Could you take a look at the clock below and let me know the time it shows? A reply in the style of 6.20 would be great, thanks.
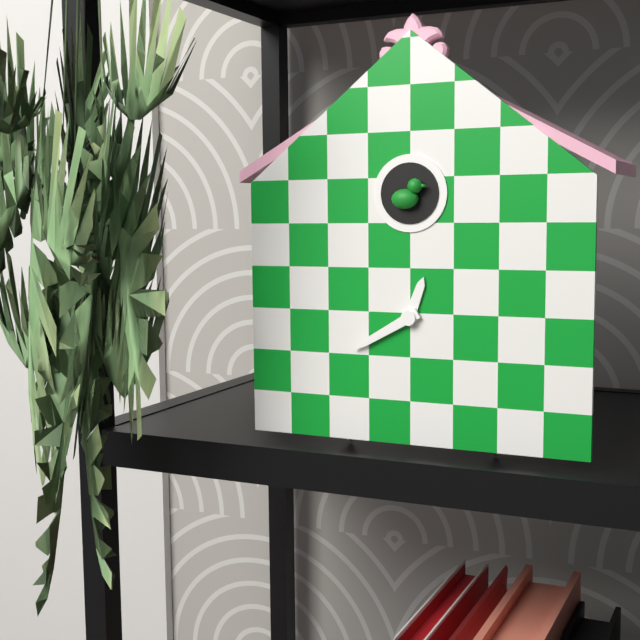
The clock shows 12.40
